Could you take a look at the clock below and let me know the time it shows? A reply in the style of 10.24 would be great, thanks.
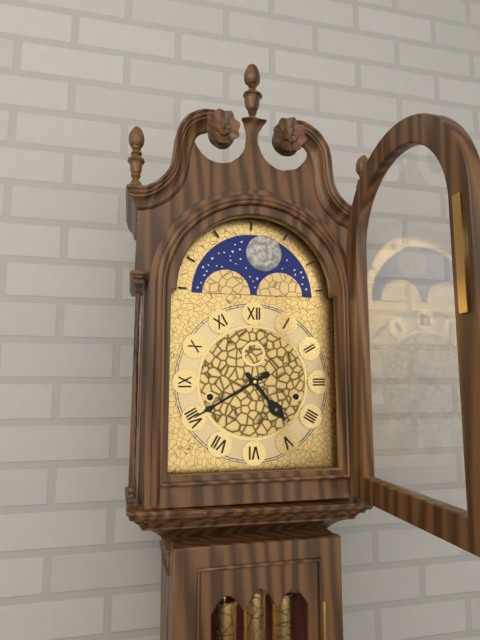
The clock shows 4.40
